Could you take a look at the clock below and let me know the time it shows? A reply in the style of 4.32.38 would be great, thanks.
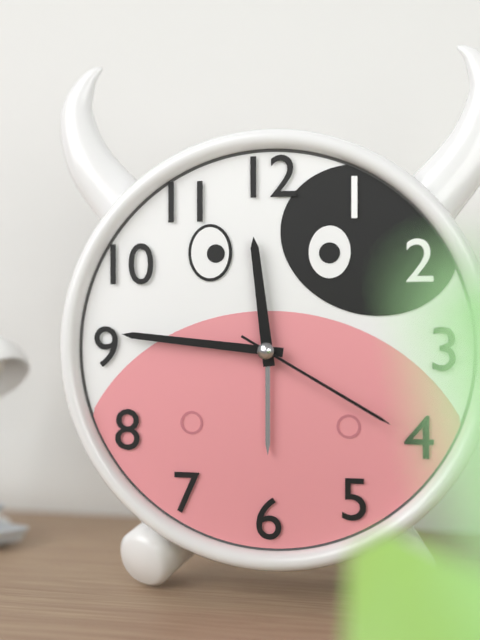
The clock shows 11.46.20
